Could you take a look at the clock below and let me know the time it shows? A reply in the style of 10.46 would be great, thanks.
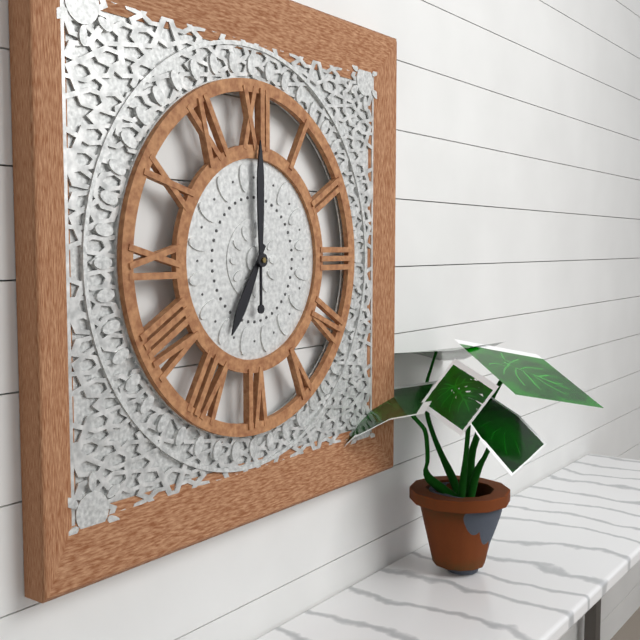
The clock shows 7.00
